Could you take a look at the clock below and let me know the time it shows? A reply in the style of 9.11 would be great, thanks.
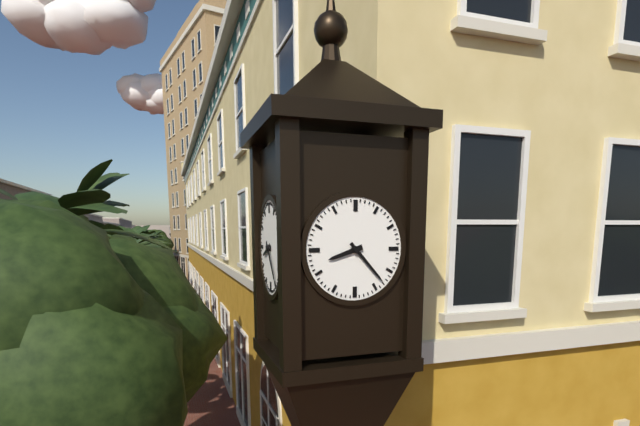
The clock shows 8.23
